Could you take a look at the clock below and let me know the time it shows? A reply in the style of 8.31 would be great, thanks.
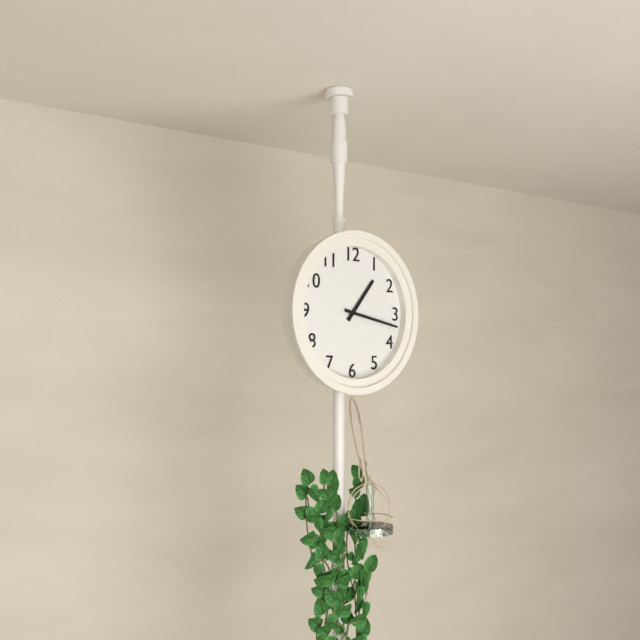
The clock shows 1.17
